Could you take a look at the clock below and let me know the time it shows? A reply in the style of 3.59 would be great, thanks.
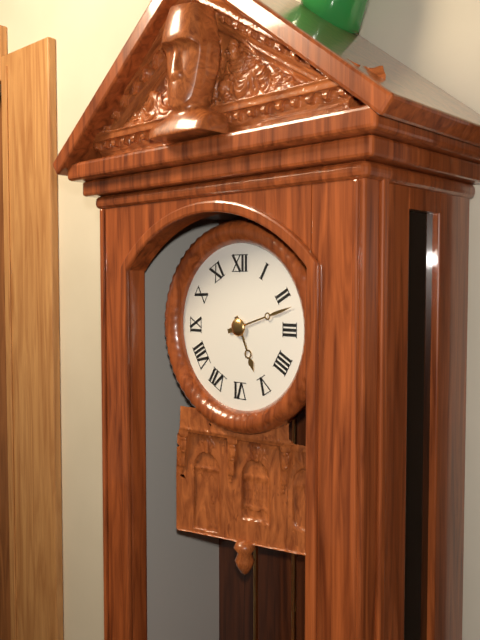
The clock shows 5.12
